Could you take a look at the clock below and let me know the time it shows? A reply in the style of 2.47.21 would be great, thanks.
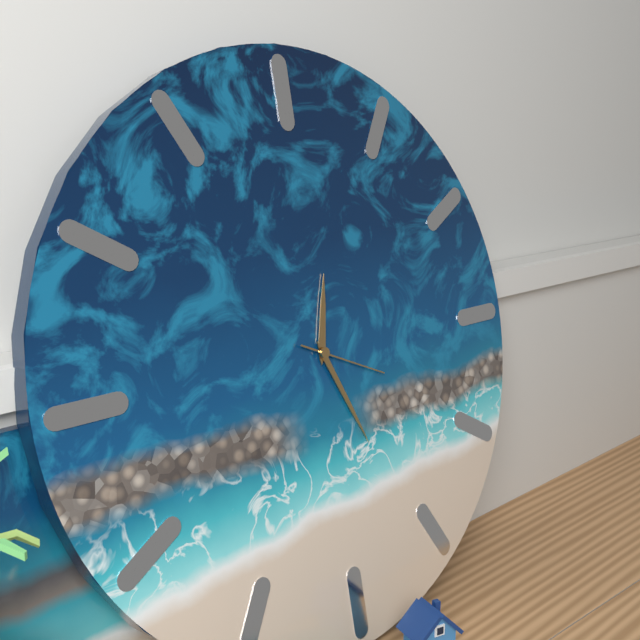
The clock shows 12.26.19
